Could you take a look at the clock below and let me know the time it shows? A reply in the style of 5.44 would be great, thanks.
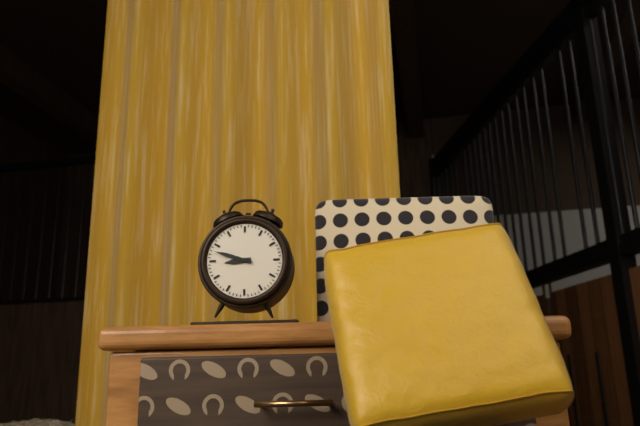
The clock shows 8.48
